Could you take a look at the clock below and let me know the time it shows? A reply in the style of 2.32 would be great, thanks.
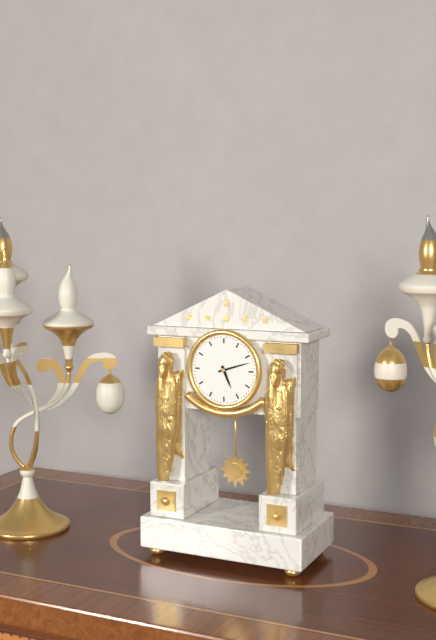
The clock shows 5.12
